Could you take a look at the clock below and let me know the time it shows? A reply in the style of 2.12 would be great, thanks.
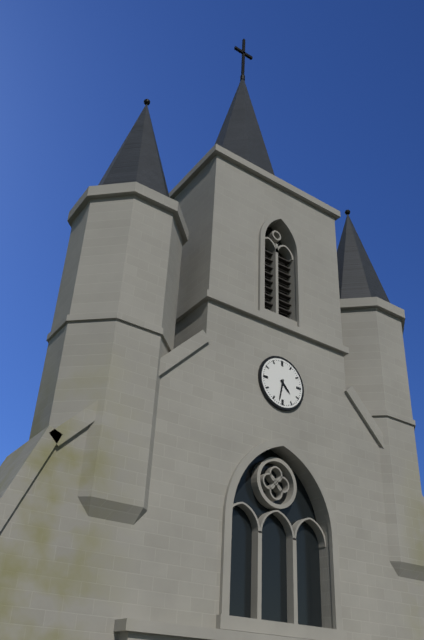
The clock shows 4.32
